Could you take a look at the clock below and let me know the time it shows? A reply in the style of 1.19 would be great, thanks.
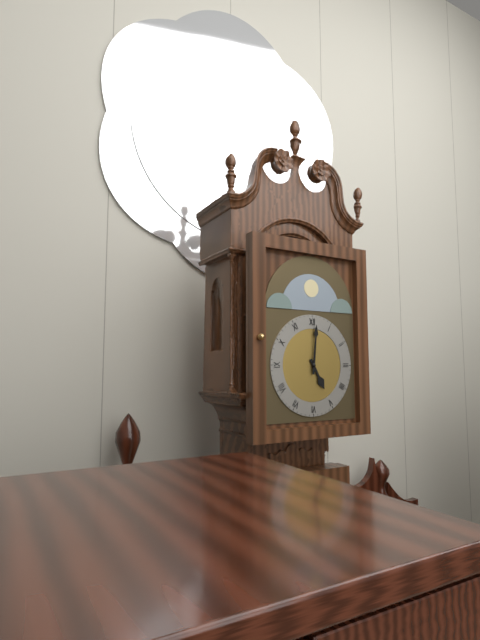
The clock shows 5.01
